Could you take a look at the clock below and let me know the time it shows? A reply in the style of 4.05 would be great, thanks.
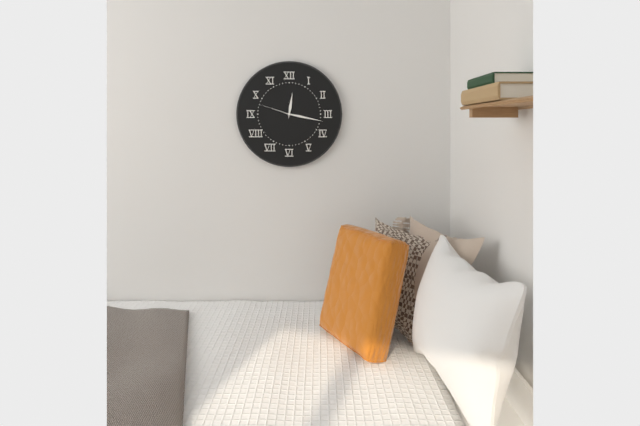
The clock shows 12.17
